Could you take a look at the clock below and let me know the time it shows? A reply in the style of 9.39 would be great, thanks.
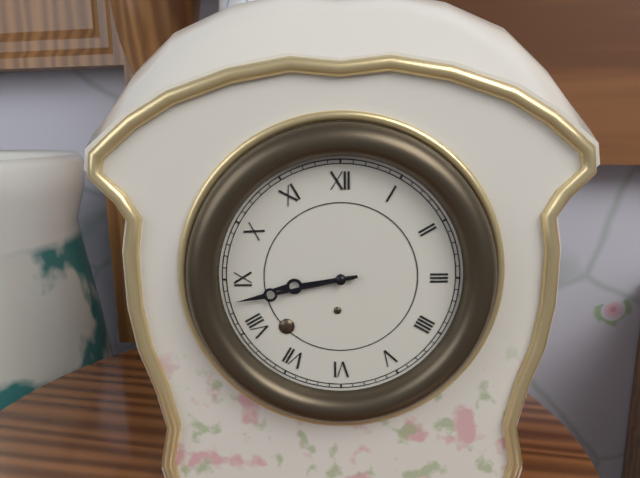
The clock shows 8.43
